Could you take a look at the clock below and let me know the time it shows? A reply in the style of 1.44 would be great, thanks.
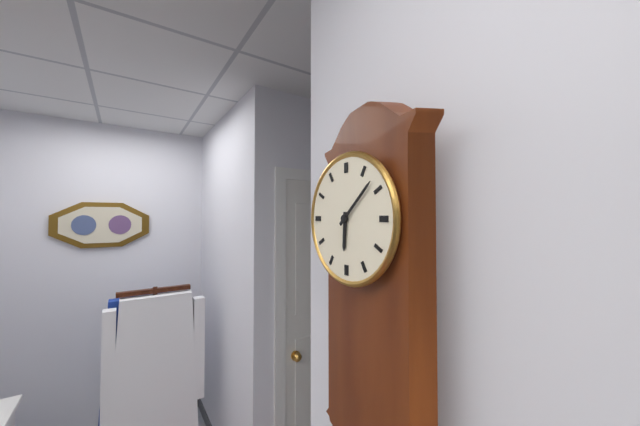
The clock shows 6.08
